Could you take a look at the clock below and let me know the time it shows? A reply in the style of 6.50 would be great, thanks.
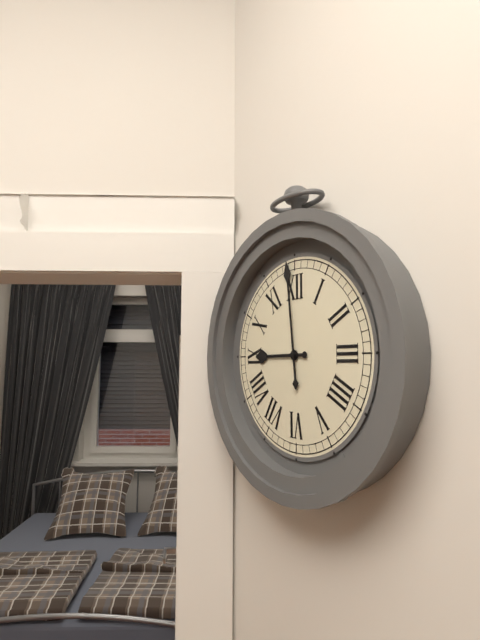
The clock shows 8.59
